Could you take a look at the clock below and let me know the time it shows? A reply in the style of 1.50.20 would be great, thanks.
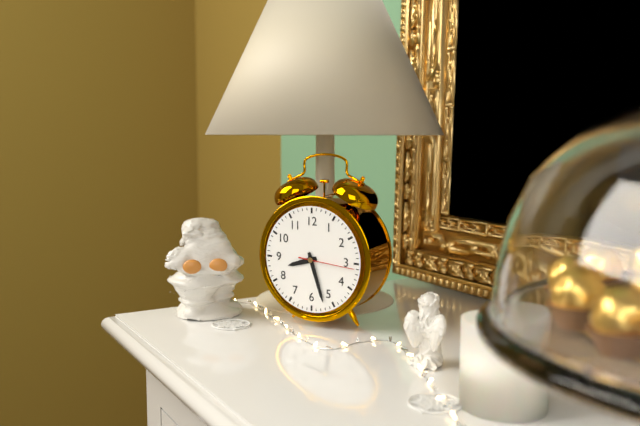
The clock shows 8.27.16
